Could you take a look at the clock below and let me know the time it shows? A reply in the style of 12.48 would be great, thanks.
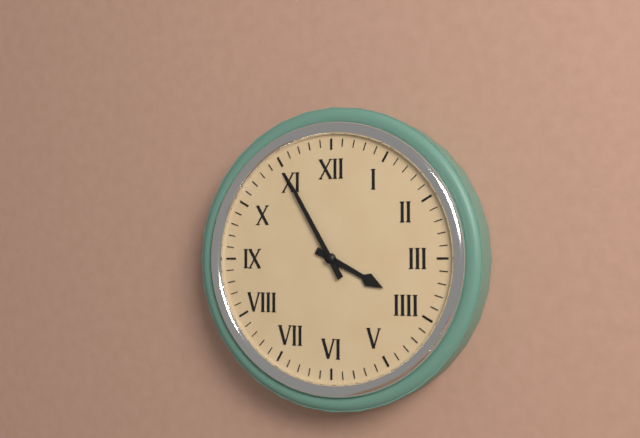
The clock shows 3.55
